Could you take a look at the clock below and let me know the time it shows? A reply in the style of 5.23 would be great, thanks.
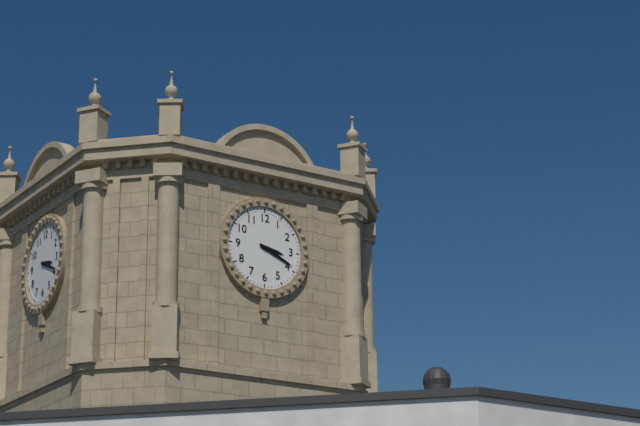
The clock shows 3.19
